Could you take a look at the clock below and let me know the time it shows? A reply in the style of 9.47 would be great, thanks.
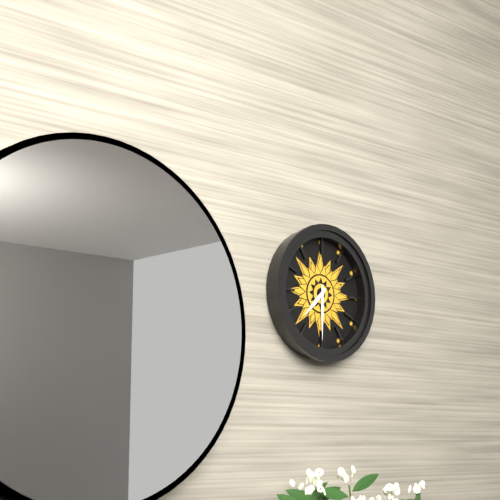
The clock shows 7.30
